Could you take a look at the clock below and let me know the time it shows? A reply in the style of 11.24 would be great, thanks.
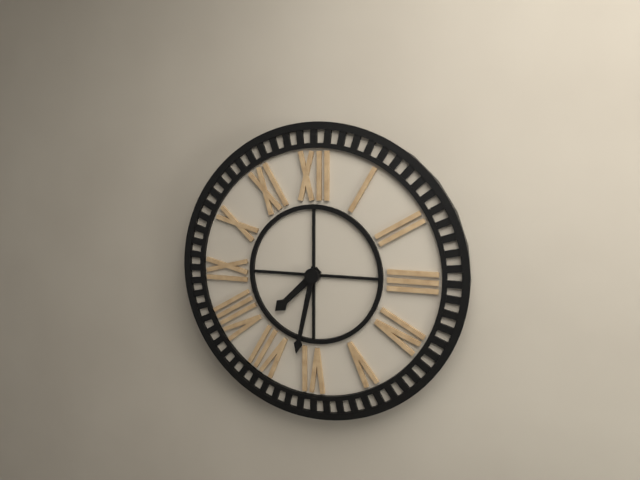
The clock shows 7.32
